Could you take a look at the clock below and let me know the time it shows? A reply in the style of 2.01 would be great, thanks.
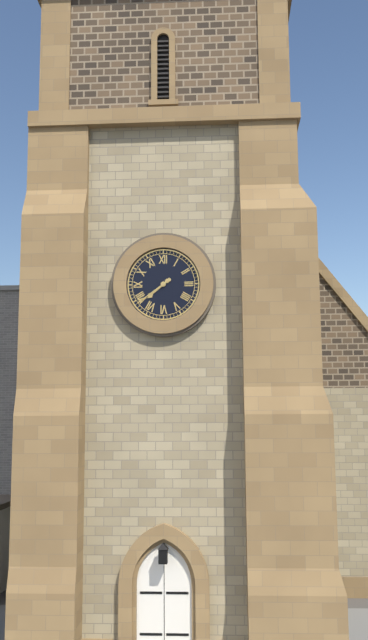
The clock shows 7.39
